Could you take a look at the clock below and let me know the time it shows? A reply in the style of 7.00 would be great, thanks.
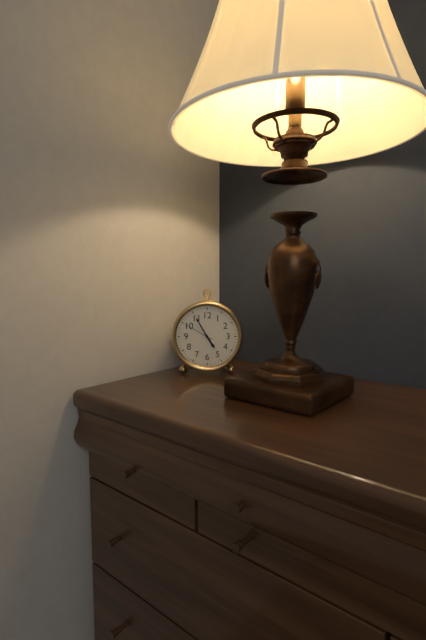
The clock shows 4.55
